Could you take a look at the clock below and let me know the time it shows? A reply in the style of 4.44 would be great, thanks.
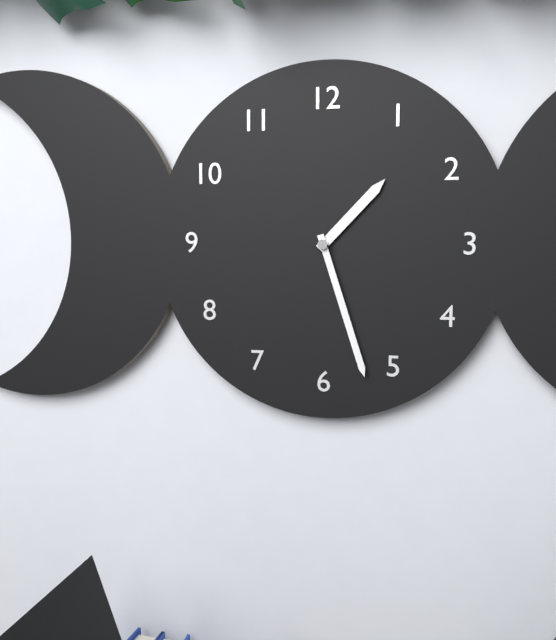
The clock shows 1.27
